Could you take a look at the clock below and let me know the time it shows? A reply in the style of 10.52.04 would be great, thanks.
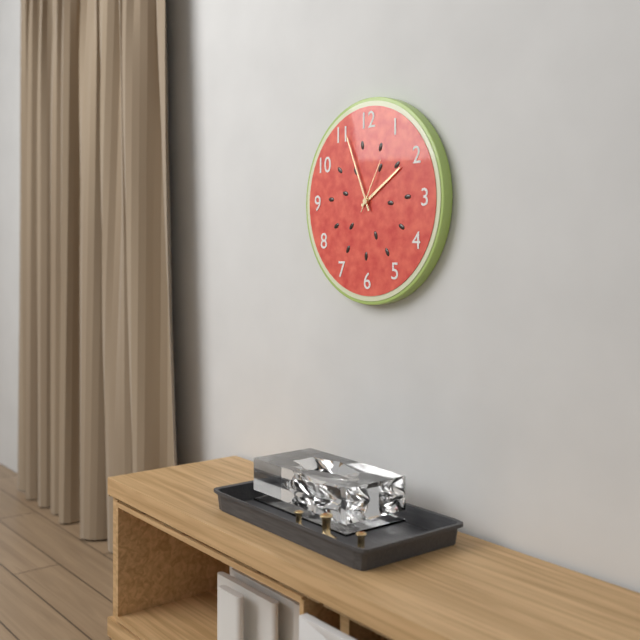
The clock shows 1.56.05
